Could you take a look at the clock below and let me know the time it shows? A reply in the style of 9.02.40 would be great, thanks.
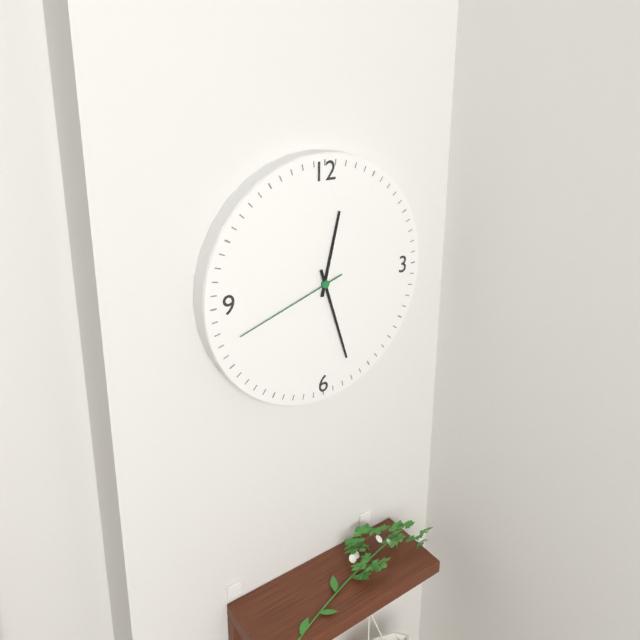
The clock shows 12.27.42
